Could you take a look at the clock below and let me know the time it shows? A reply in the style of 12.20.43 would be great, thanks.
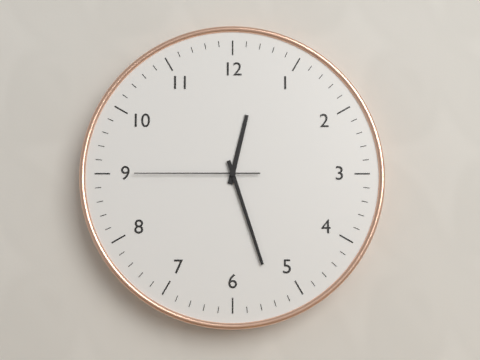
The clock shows 12.27.45
